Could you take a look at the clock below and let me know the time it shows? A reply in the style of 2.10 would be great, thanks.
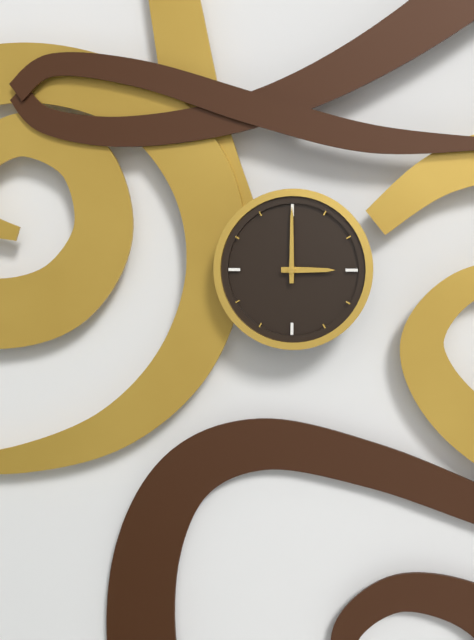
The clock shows 3.00
